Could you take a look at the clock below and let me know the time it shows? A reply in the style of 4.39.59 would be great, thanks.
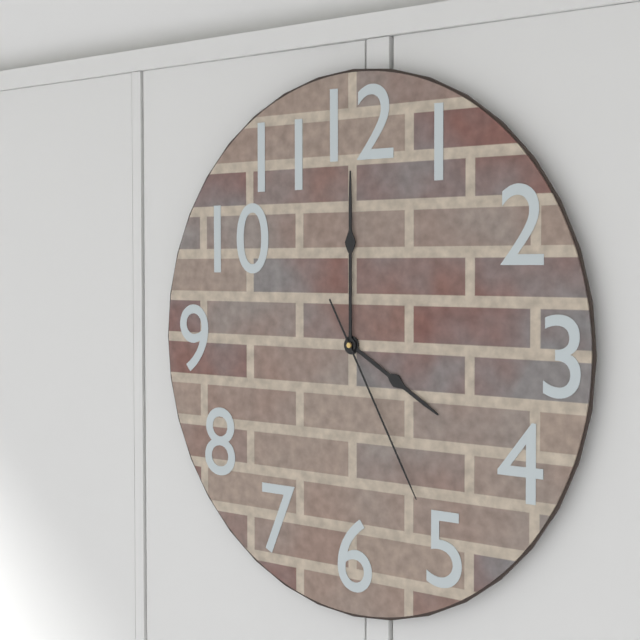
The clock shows 4.00.25
